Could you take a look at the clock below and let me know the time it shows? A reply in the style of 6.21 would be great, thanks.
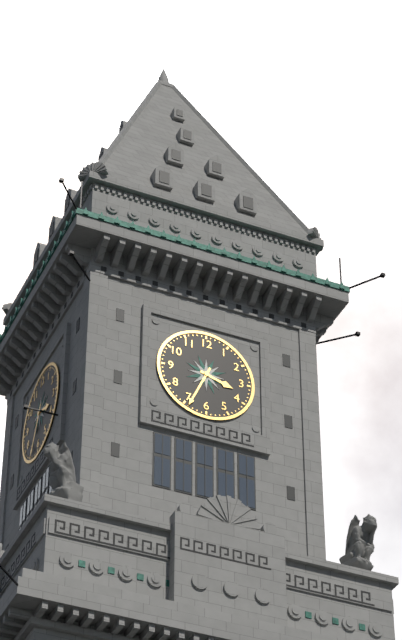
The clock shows 3.34
